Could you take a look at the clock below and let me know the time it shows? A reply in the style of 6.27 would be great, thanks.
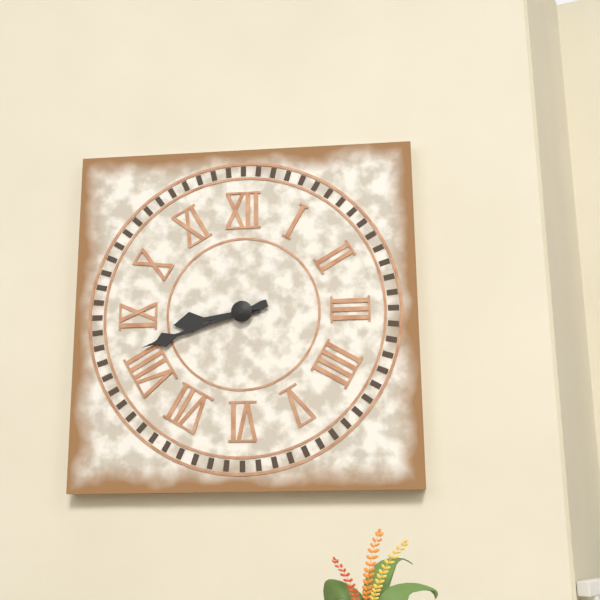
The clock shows 8.42
